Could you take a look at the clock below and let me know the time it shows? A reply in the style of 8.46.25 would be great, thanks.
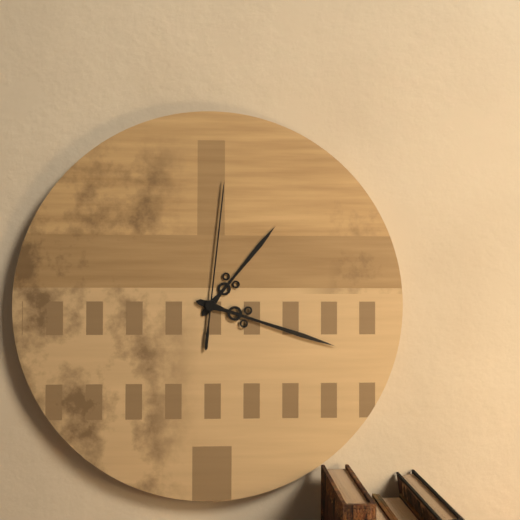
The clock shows 1.18.01
